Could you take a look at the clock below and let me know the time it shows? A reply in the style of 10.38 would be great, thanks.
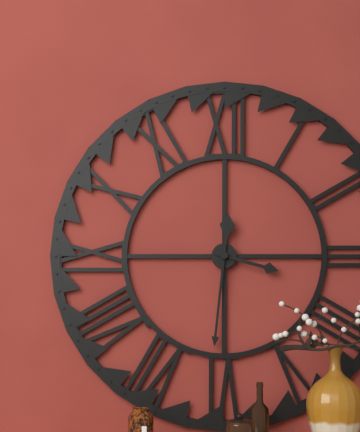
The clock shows 3.31
